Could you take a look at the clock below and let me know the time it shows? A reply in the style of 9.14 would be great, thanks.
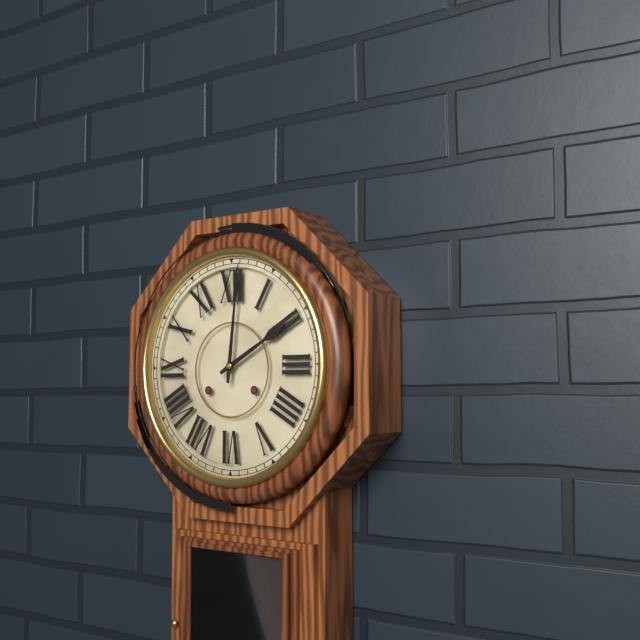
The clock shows 2.01
